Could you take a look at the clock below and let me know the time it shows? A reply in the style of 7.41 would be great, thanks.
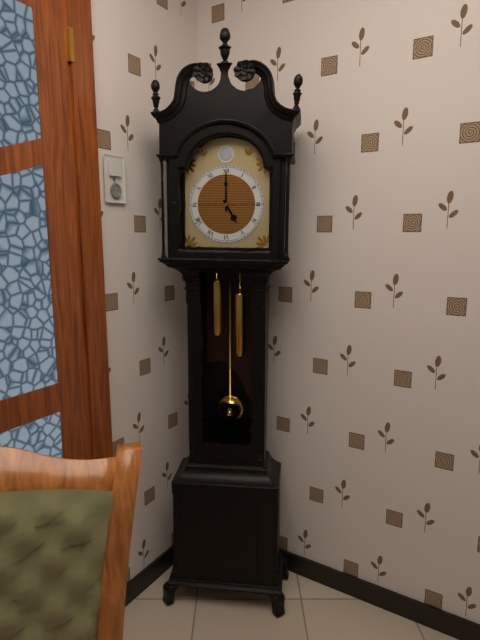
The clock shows 5.00
